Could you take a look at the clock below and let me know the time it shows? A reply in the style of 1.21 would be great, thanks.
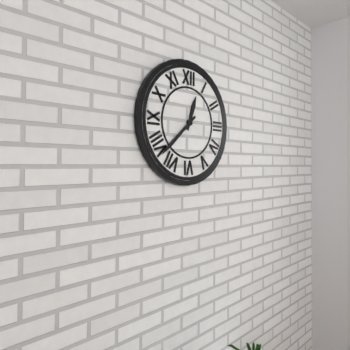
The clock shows 12.38
